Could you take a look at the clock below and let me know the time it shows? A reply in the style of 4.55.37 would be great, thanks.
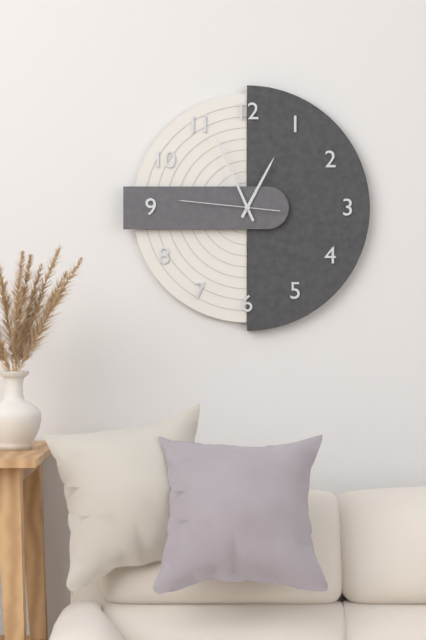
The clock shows 12.56.46
